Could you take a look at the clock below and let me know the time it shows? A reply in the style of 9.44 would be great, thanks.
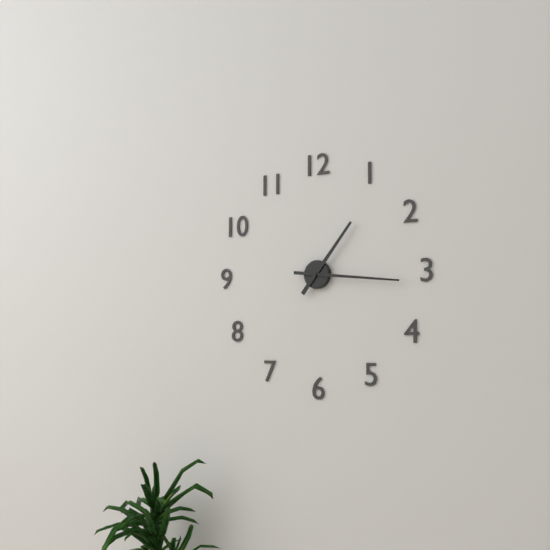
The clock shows 1.16
